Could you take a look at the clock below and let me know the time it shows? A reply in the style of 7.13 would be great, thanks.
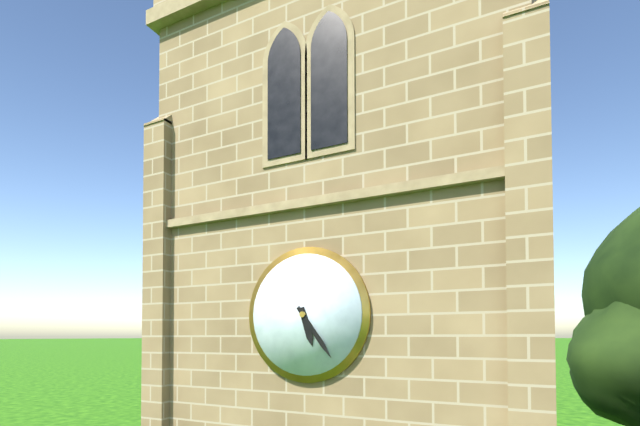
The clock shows 5.24
